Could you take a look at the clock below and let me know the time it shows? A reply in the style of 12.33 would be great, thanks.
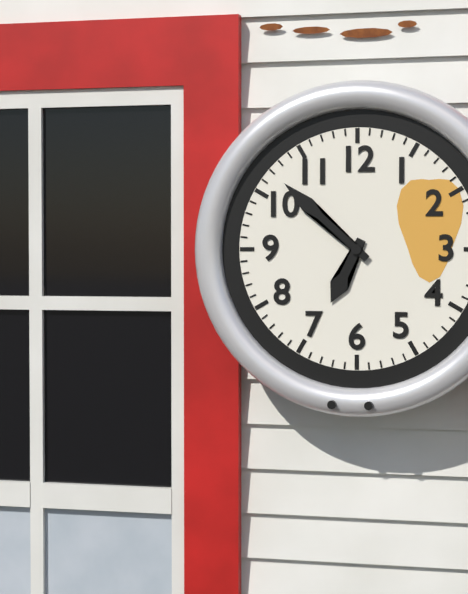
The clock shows 6.52
